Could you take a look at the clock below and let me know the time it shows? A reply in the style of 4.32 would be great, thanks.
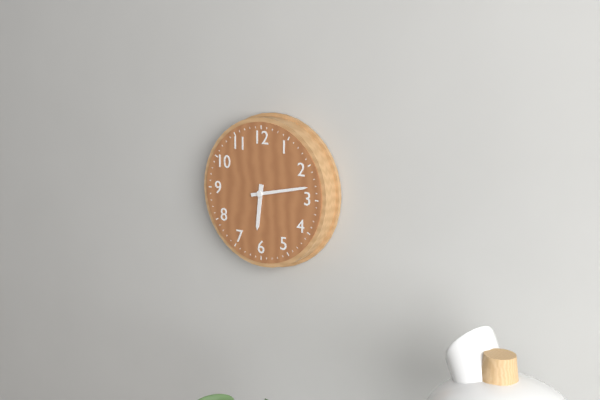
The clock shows 6.13
